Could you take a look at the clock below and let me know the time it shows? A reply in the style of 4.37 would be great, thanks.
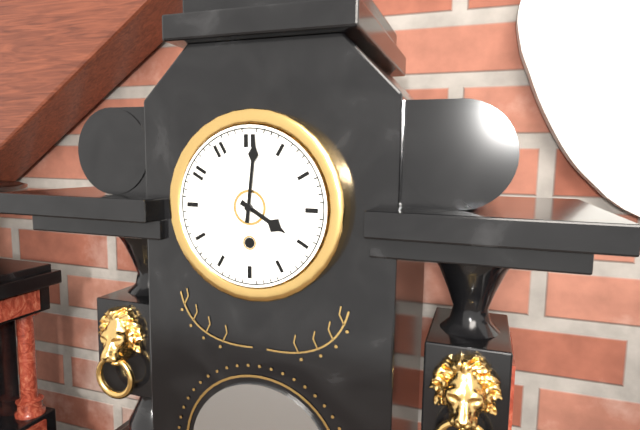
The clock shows 4.01
